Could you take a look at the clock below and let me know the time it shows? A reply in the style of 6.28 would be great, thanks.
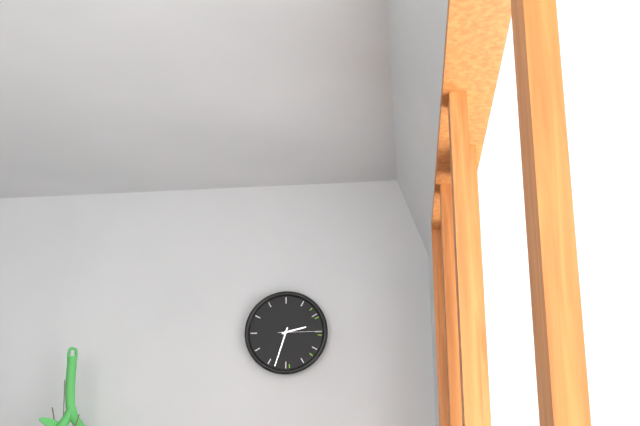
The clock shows 2.33
